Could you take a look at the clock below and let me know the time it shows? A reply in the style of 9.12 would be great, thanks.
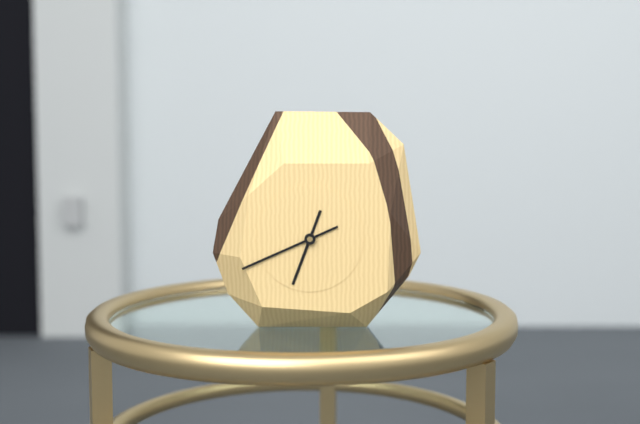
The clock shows 6.41
